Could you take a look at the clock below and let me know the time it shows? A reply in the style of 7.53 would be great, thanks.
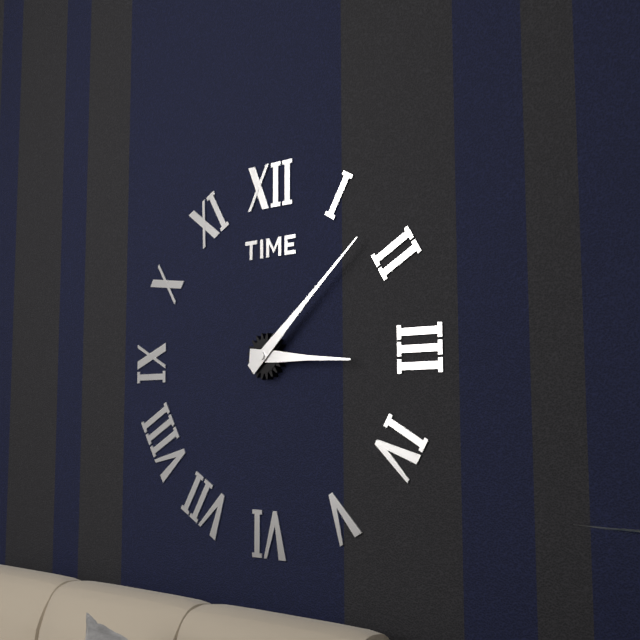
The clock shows 3.08
